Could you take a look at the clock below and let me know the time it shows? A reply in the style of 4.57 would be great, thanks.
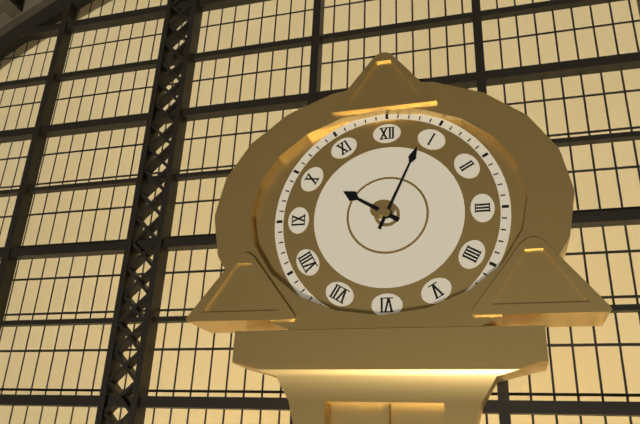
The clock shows 10.04
